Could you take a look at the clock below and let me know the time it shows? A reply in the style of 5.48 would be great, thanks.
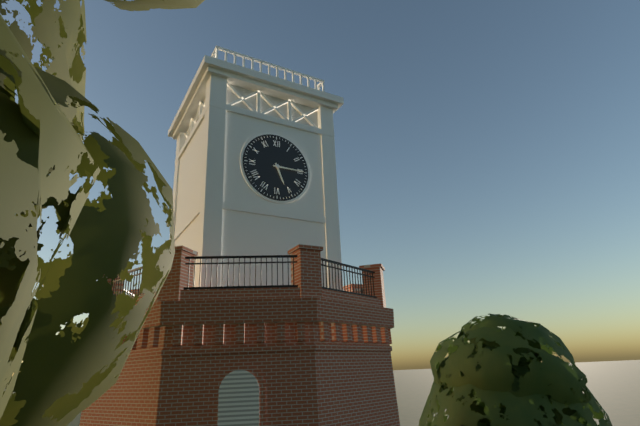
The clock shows 5.15
